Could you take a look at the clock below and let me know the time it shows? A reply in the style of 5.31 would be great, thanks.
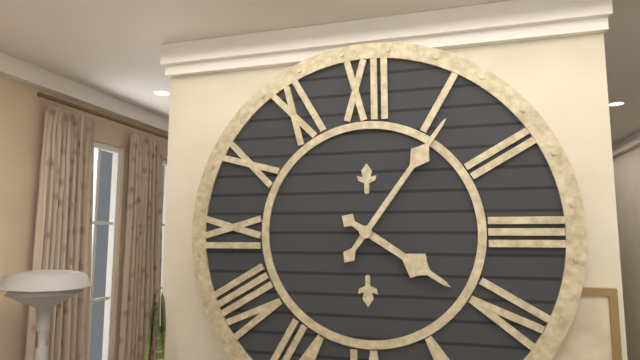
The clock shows 4.06
